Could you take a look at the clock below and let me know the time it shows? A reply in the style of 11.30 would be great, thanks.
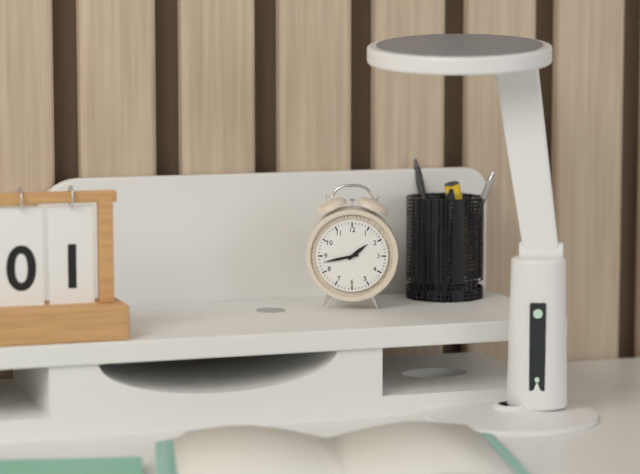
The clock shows 1.43
